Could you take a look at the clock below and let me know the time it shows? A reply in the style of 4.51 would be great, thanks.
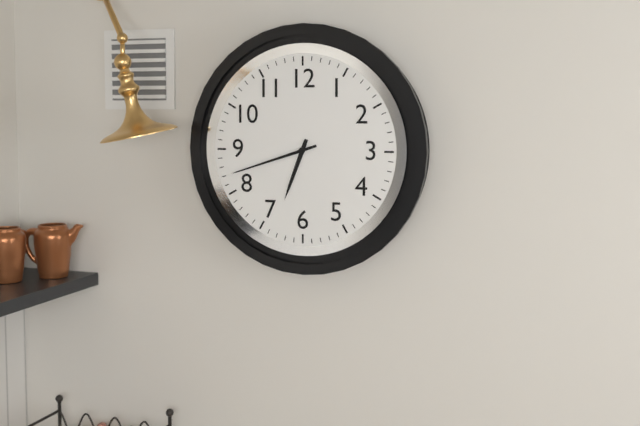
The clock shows 6.42
